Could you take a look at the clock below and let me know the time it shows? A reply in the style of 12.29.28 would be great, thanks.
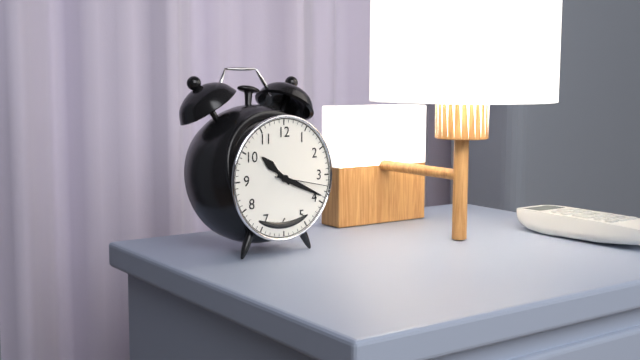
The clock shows 10.19.17
